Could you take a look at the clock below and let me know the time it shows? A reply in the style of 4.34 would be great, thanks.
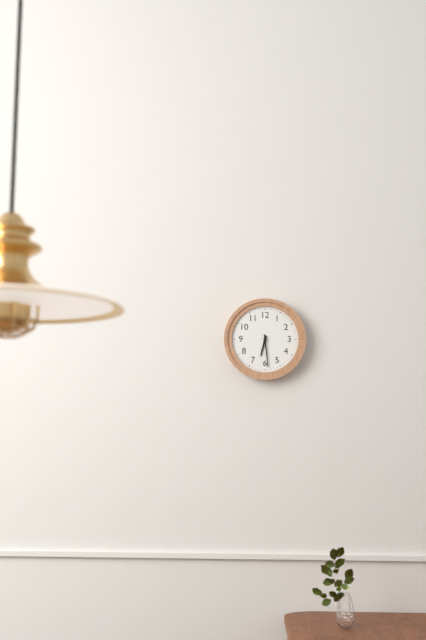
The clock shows 6.29
